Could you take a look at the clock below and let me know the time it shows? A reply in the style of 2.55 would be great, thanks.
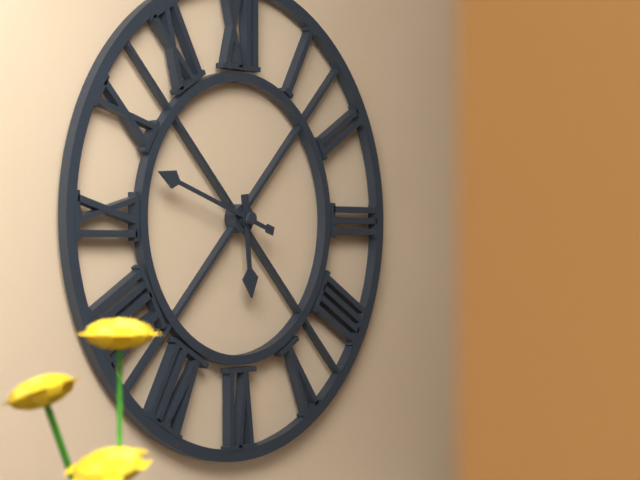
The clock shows 5.48
